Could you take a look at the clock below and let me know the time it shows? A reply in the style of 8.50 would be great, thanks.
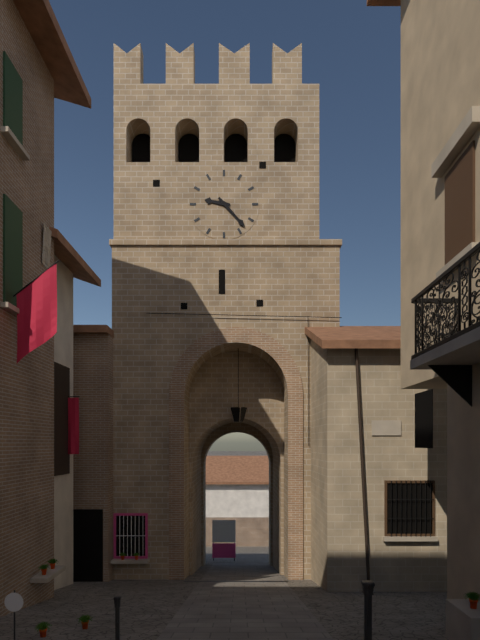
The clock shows 9.23
